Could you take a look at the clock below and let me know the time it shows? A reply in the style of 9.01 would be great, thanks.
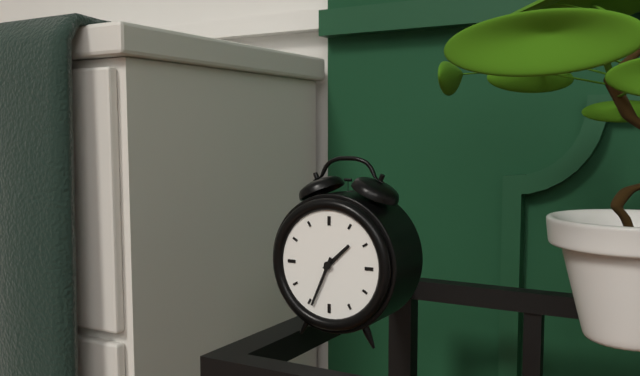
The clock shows 1.34
